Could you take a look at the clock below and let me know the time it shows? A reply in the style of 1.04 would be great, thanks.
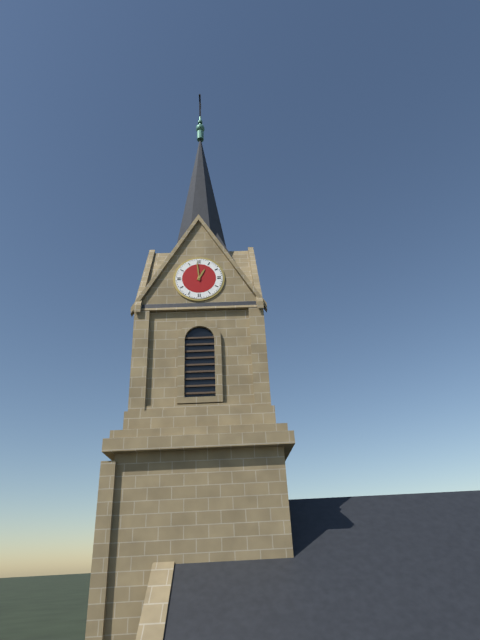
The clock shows 12.59
